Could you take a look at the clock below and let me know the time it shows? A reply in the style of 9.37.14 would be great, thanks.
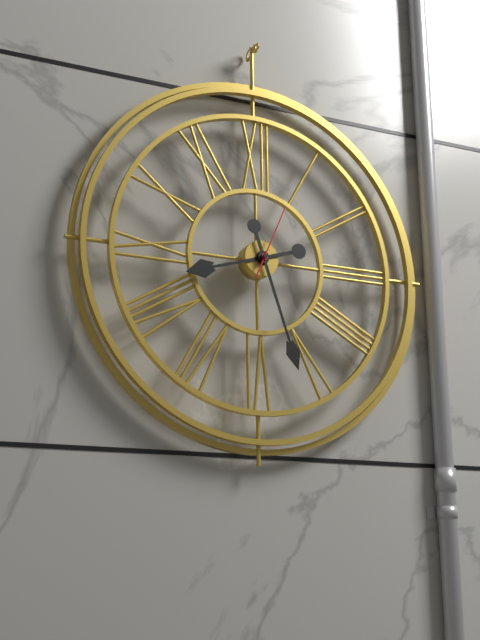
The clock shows 8.27.04
